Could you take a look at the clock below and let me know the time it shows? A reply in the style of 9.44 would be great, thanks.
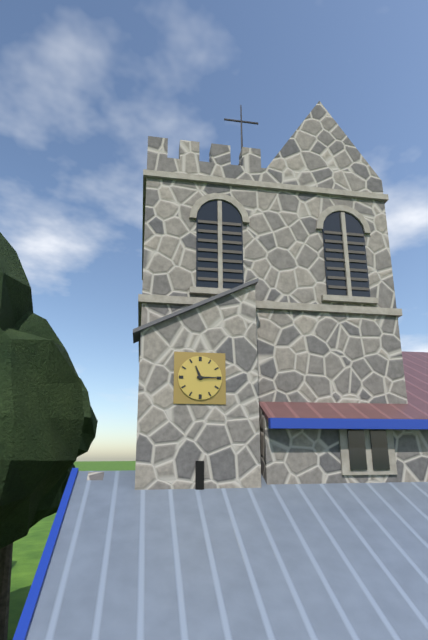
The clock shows 11.15
